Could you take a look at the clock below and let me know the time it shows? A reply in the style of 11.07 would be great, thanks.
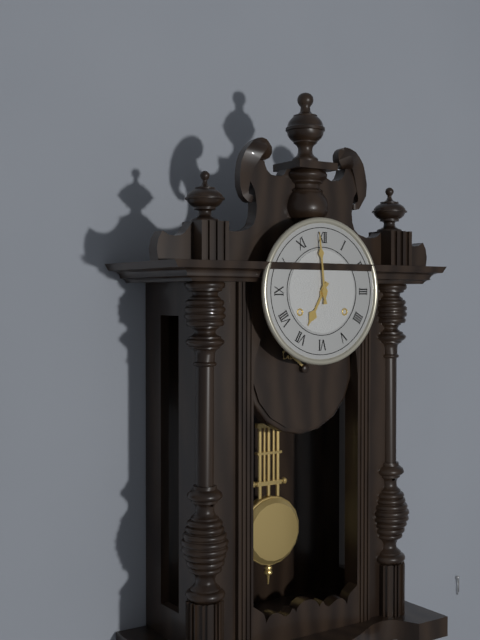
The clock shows 6.59
